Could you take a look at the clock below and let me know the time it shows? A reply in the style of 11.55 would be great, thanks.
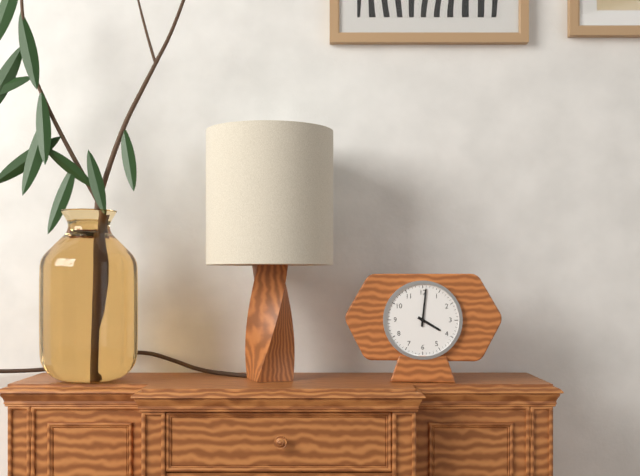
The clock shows 4.01
